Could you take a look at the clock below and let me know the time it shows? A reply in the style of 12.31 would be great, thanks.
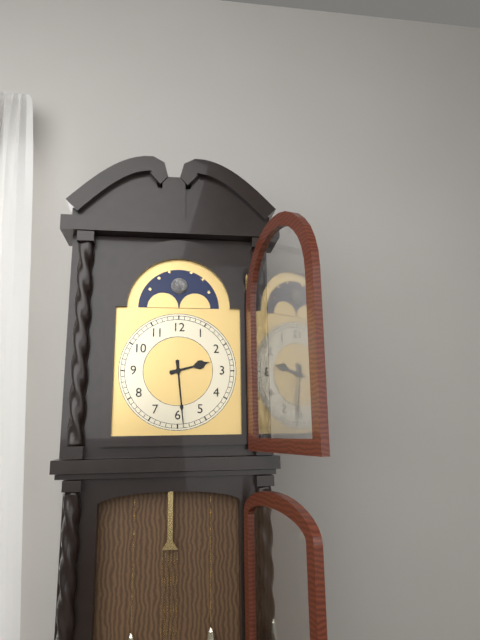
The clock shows 2.29
